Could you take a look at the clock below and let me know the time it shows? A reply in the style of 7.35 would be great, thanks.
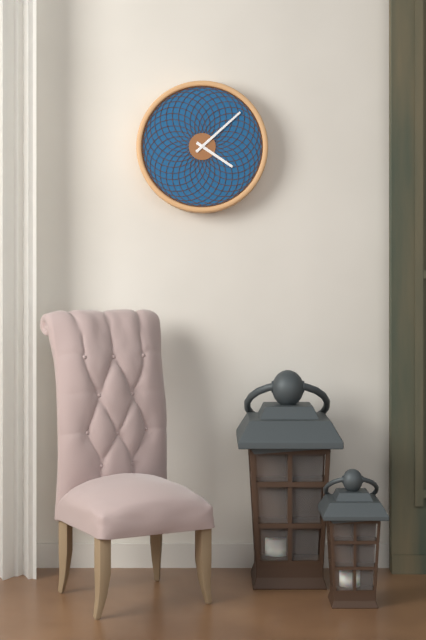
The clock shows 4.08
